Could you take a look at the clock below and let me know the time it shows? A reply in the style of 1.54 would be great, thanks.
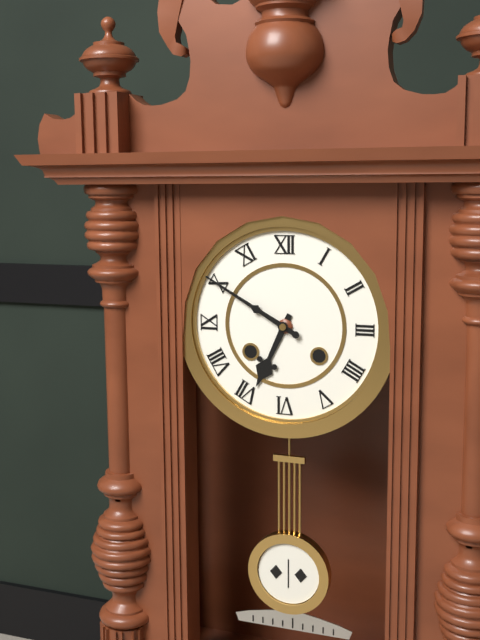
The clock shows 6.50
